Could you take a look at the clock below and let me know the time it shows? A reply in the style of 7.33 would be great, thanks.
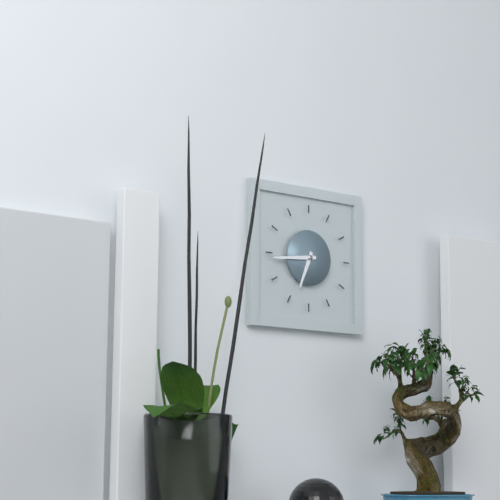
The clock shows 6.44
